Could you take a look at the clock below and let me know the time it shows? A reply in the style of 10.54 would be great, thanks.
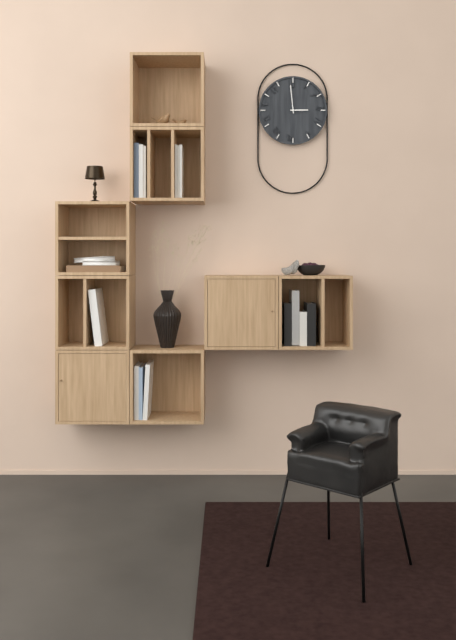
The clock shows 2.59
